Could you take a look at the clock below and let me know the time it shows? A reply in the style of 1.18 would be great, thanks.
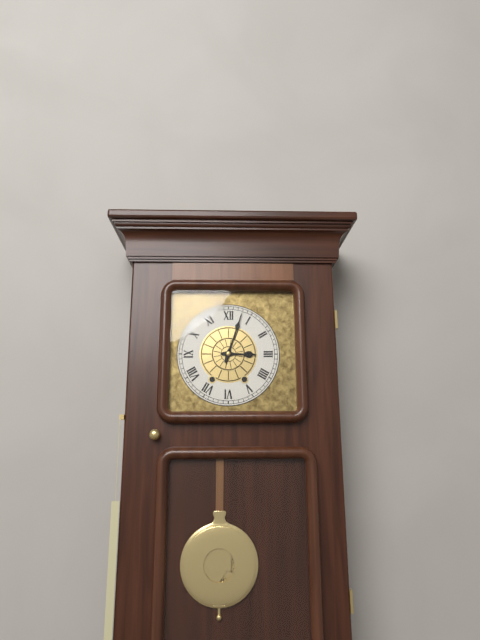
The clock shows 3.03
